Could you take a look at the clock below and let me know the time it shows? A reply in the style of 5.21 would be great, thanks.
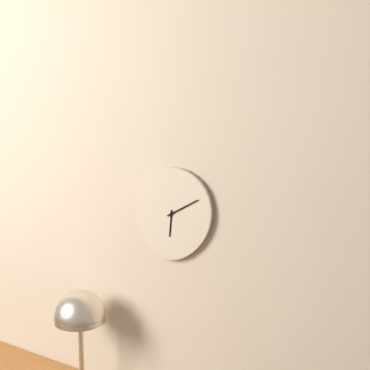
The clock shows 6.10
